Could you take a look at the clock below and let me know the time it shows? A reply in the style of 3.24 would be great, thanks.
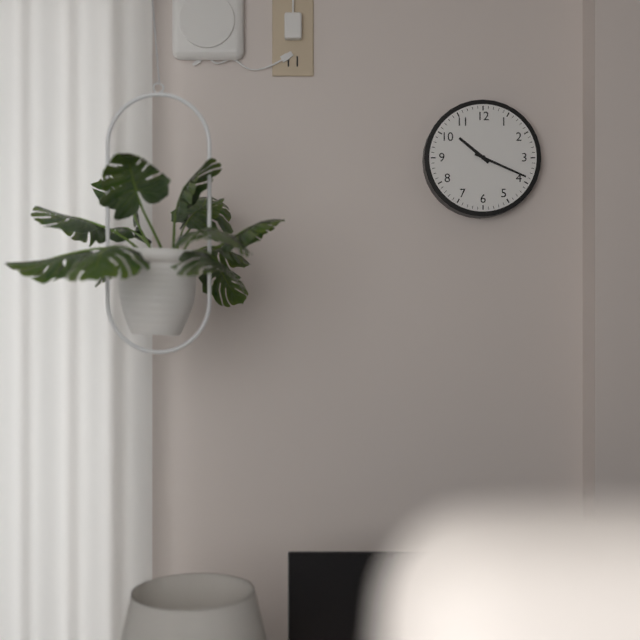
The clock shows 10.19
